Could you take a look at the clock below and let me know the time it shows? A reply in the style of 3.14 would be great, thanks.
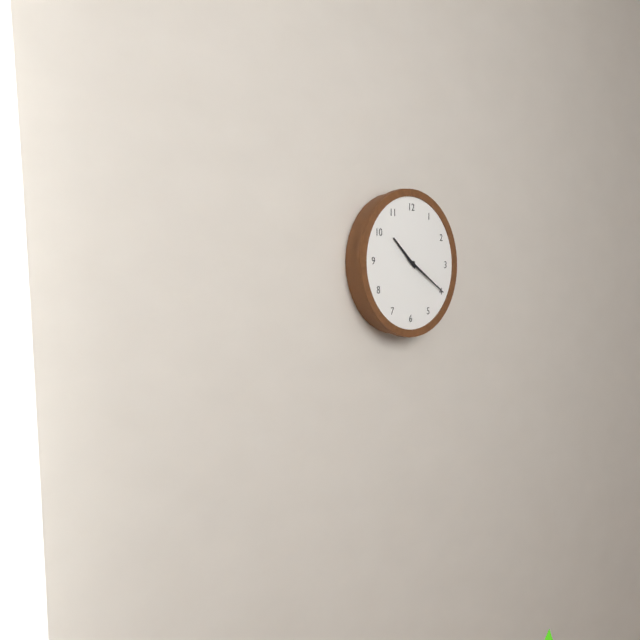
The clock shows 10.20
